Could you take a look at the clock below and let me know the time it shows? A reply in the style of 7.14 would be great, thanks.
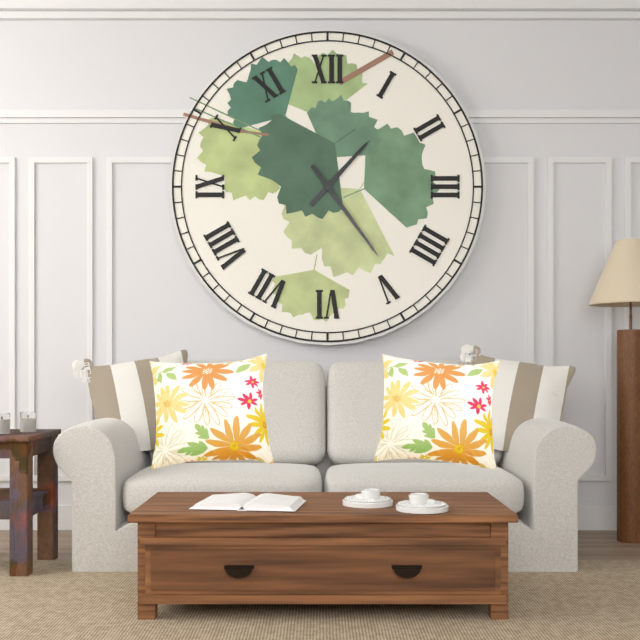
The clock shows 1.24
